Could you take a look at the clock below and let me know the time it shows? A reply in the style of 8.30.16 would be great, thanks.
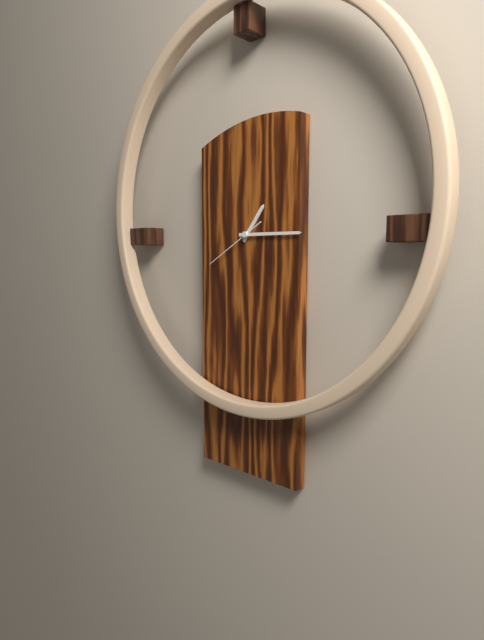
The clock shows 1.15.40
